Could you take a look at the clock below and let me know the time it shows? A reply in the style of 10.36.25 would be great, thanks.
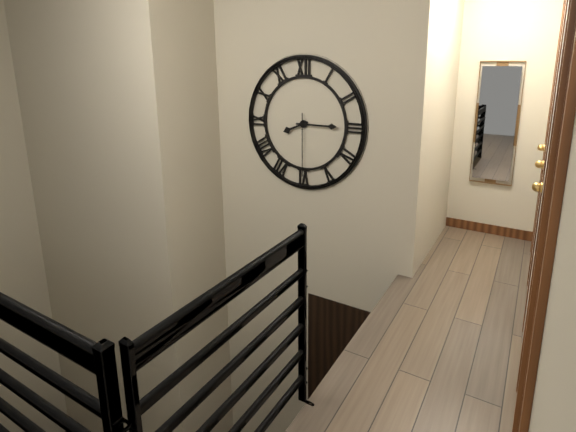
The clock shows 8.15.30
